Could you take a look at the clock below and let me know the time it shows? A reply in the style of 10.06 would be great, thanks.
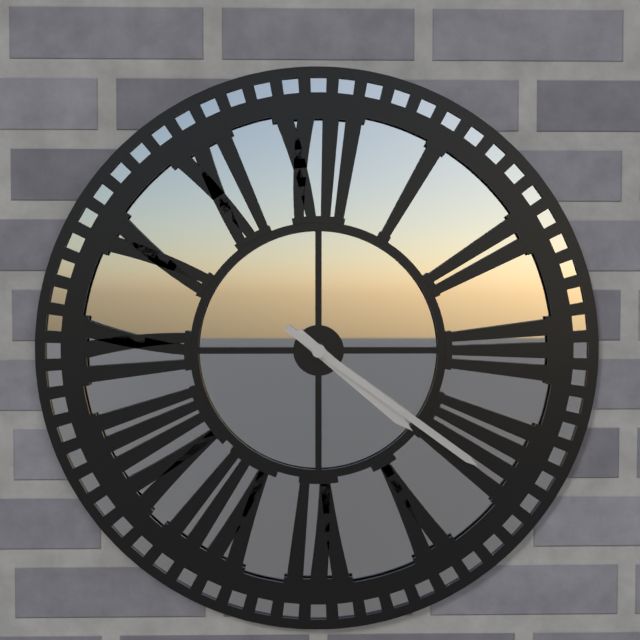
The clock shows 4.21
